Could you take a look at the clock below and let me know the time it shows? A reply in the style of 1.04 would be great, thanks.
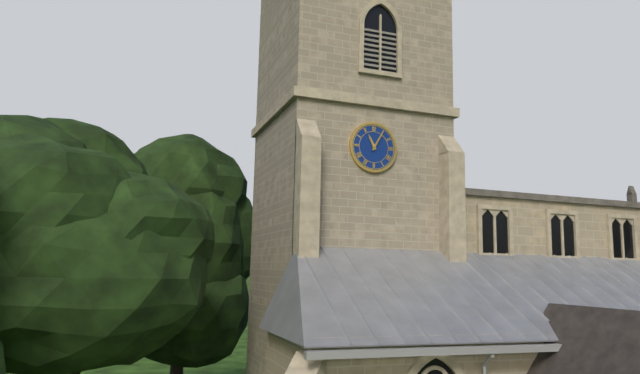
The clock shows 11.05
